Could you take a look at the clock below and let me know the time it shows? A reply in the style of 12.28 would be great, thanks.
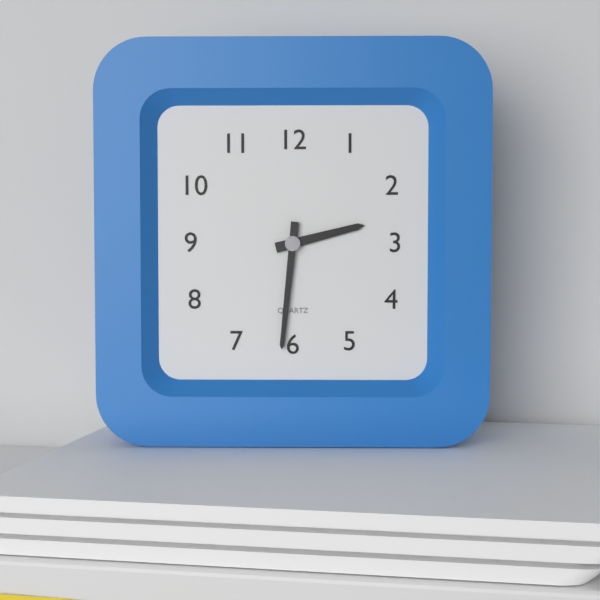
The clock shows 2.31
